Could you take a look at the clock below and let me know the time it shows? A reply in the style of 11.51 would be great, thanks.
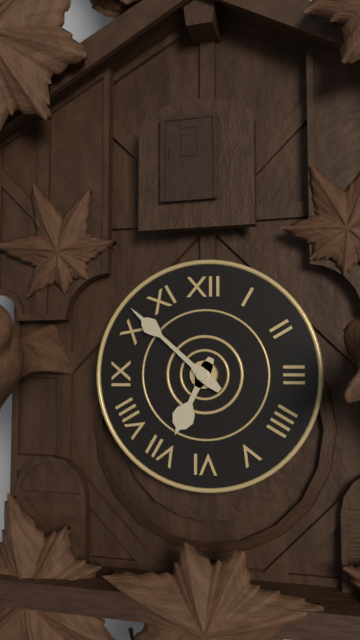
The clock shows 6.52
